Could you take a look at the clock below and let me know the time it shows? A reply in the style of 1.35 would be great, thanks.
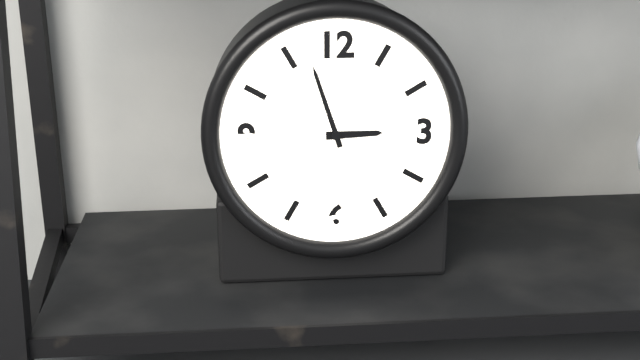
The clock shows 2.57
